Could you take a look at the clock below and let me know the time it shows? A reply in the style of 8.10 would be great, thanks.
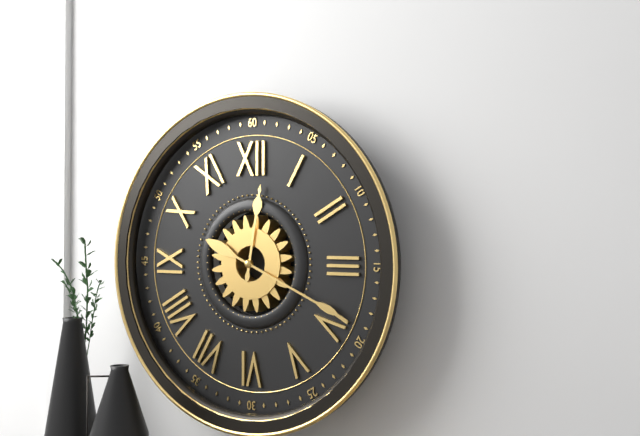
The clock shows 12.19
